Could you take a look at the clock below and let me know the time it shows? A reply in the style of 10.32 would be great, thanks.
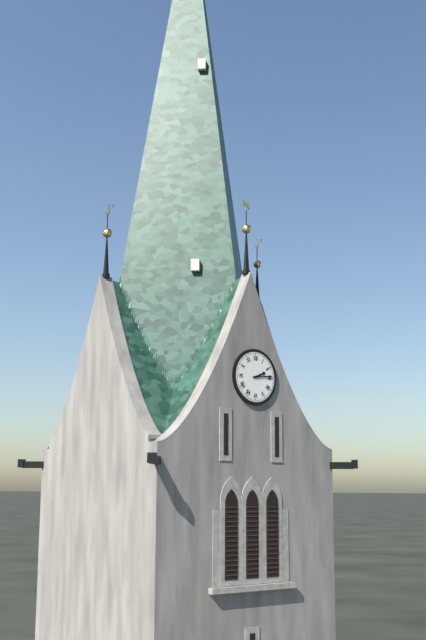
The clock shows 2.14
